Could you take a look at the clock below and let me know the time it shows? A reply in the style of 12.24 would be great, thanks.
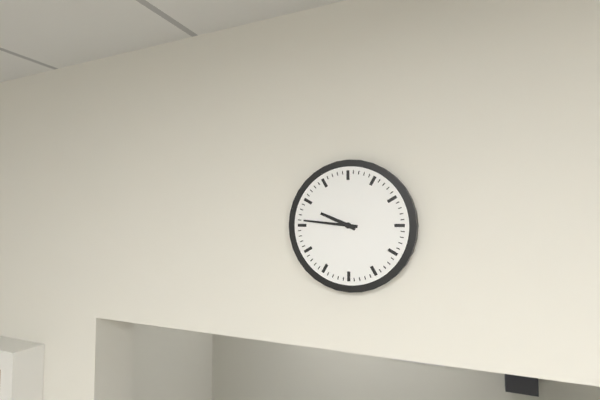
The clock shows 9.46
